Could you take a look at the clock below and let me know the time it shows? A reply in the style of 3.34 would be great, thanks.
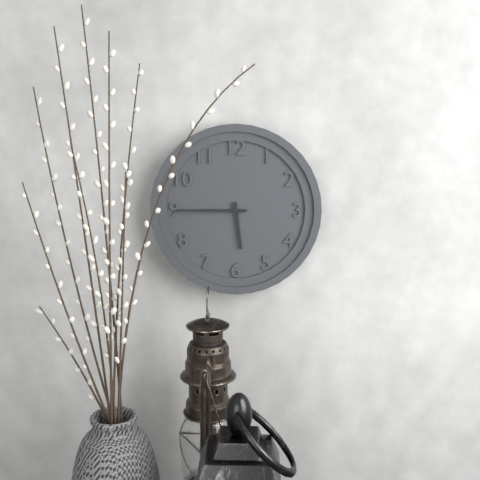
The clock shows 5.45
